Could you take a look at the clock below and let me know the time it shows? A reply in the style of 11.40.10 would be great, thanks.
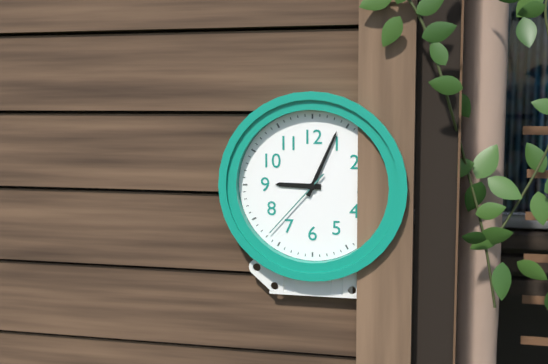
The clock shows 9.04.37
